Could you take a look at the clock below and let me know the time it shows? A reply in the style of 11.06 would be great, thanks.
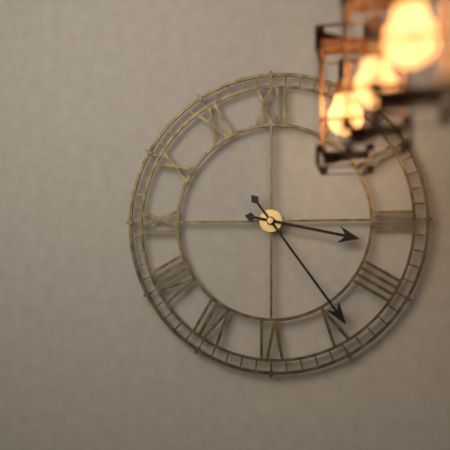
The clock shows 3.24
